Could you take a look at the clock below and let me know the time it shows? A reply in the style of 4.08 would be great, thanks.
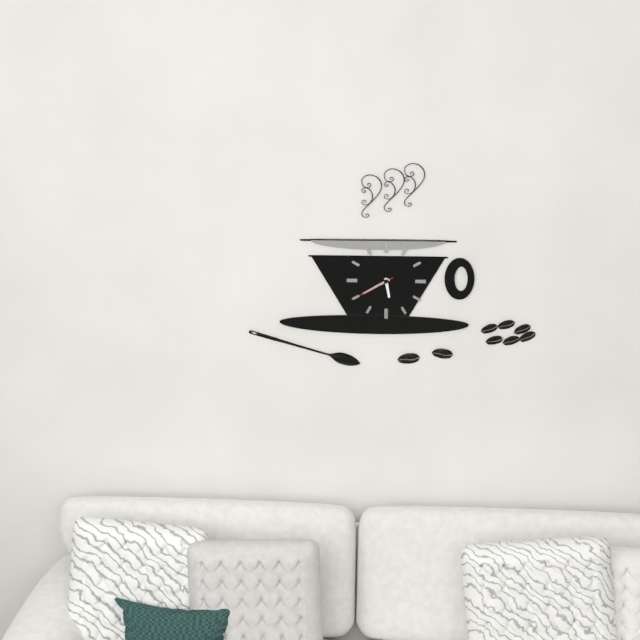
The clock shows 5.40
